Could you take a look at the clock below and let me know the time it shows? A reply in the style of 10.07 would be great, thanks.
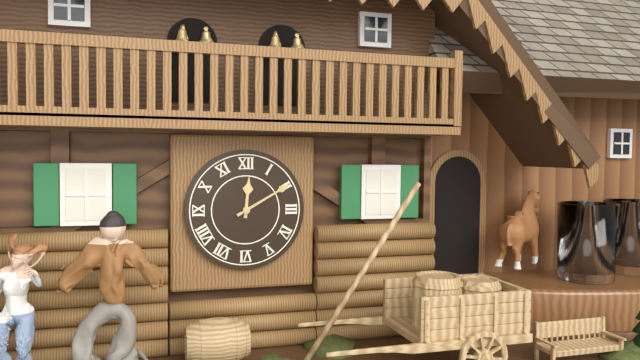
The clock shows 12.10
